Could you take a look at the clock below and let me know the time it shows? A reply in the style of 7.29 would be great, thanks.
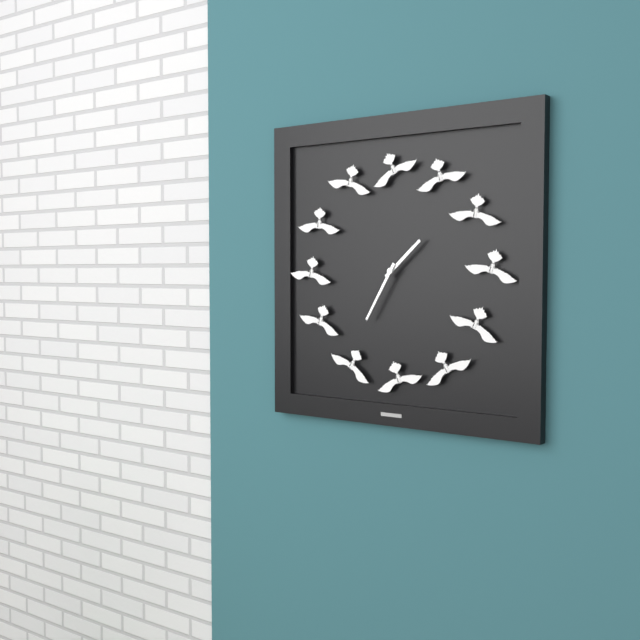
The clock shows 1.35
